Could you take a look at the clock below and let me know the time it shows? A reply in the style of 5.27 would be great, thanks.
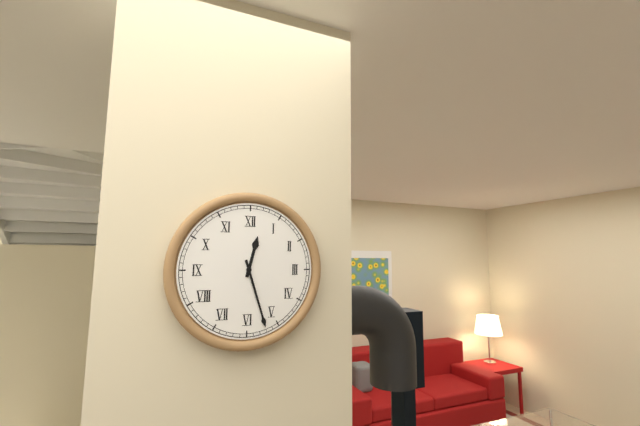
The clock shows 12.27
